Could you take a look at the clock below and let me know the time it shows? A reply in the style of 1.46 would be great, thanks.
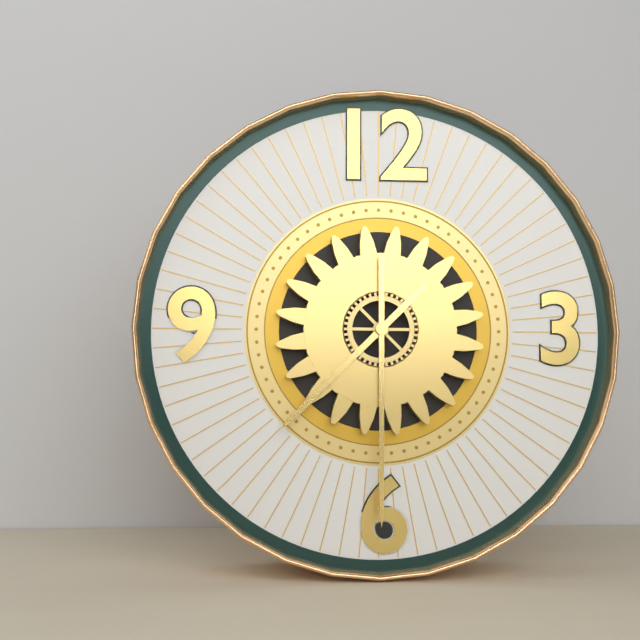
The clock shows 7.30
